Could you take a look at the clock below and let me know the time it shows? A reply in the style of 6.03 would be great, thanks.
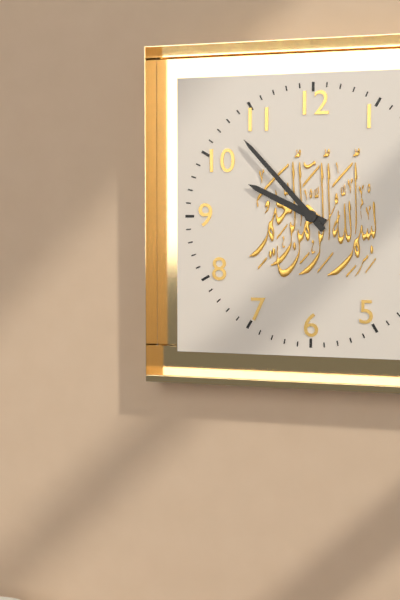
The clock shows 9.53
